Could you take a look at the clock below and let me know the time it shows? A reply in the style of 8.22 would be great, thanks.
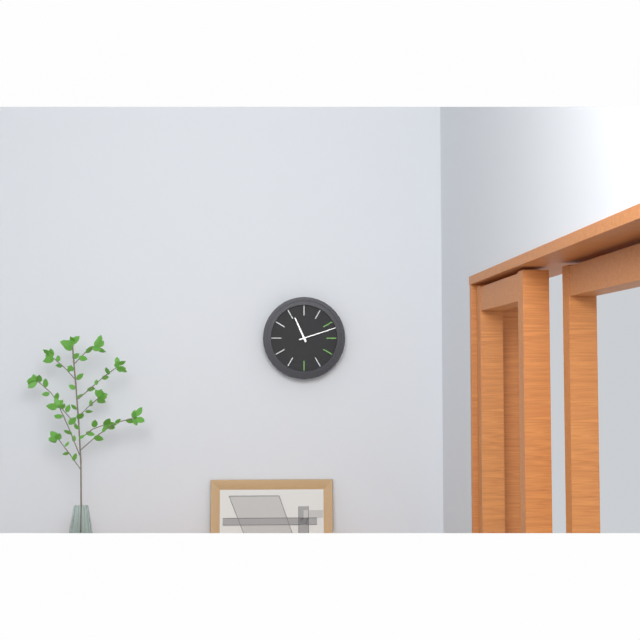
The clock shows 11.12
